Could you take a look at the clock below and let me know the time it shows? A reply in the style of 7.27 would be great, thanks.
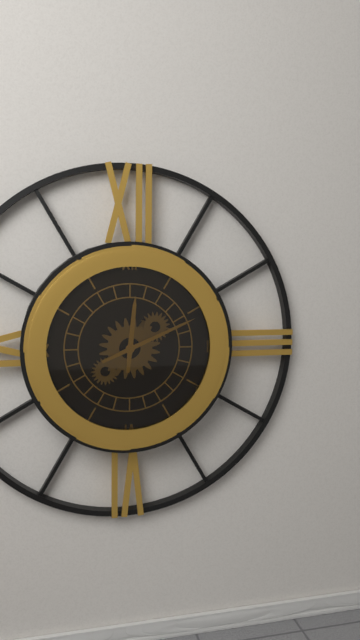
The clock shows 12.11
